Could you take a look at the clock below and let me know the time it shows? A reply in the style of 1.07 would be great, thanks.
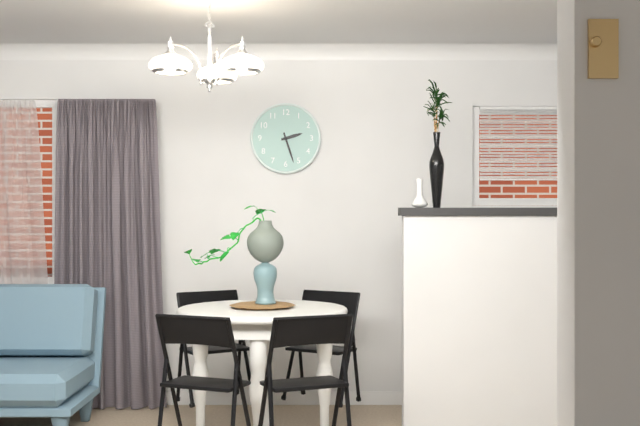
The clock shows 2.27
